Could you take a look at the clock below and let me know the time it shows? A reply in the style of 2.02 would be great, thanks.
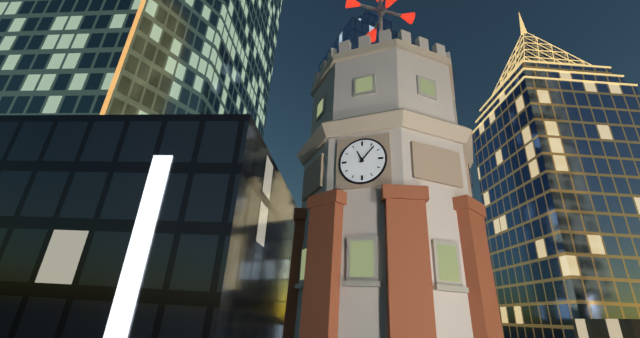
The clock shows 11.07
